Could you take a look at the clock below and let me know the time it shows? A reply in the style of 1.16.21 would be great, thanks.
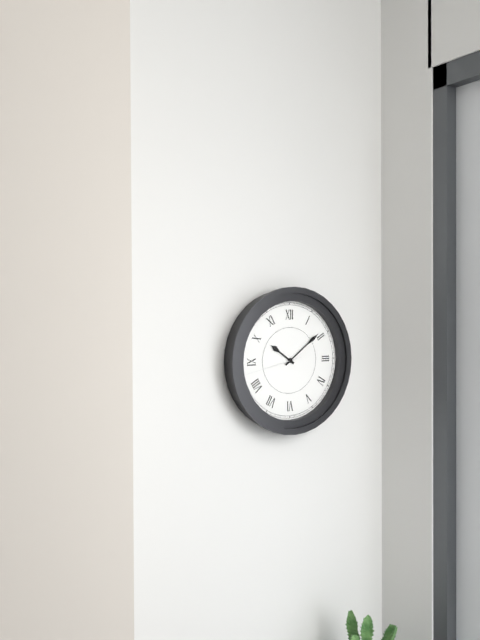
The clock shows 10.09.43
